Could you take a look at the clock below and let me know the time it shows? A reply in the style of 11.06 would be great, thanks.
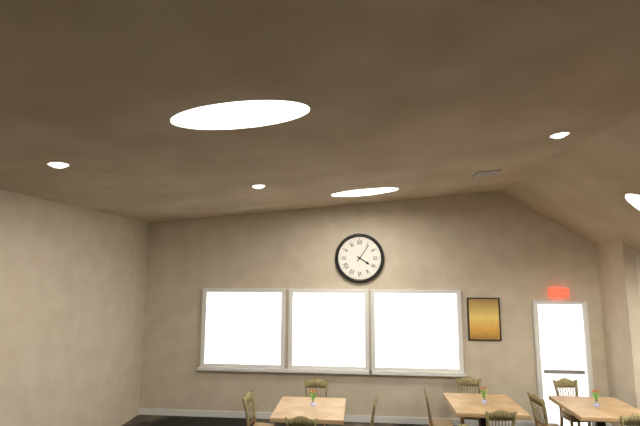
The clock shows 4.06
